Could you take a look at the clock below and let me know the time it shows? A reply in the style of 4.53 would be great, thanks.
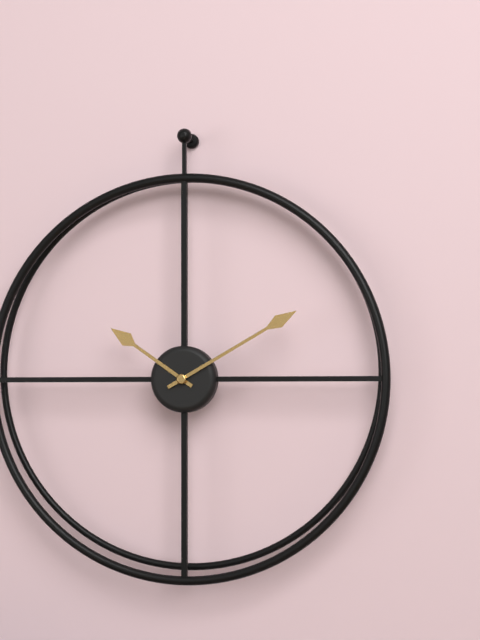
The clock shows 10.10
